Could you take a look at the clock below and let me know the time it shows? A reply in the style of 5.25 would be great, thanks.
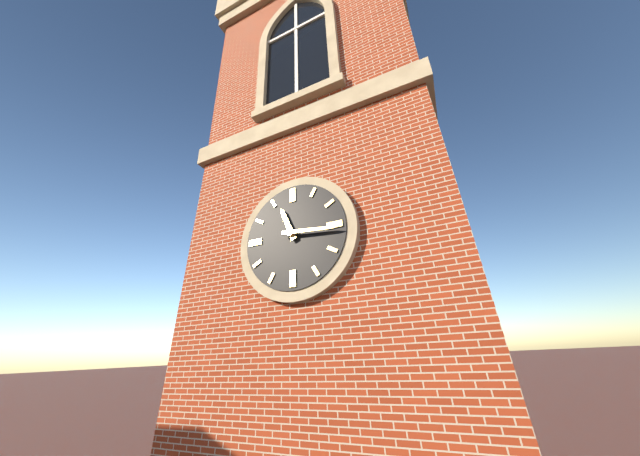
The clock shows 11.16
